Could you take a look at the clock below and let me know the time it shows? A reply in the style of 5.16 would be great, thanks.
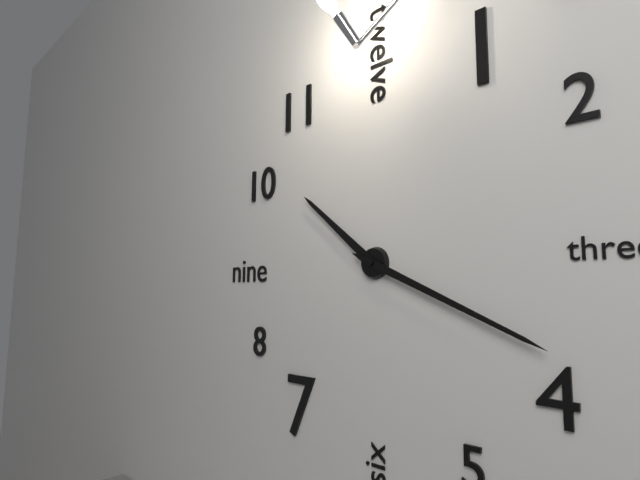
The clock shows 10.19
